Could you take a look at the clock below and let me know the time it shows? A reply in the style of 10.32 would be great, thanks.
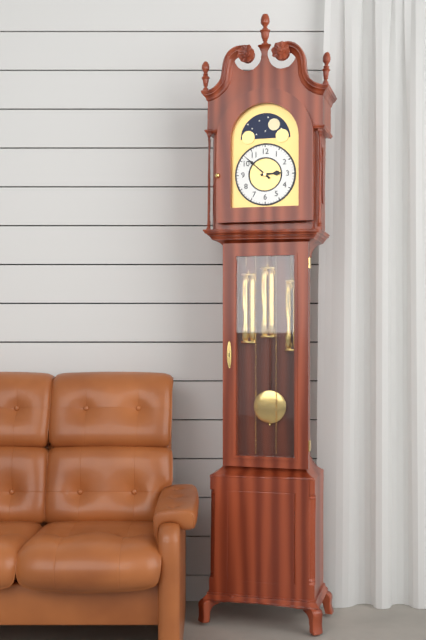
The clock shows 2.52
